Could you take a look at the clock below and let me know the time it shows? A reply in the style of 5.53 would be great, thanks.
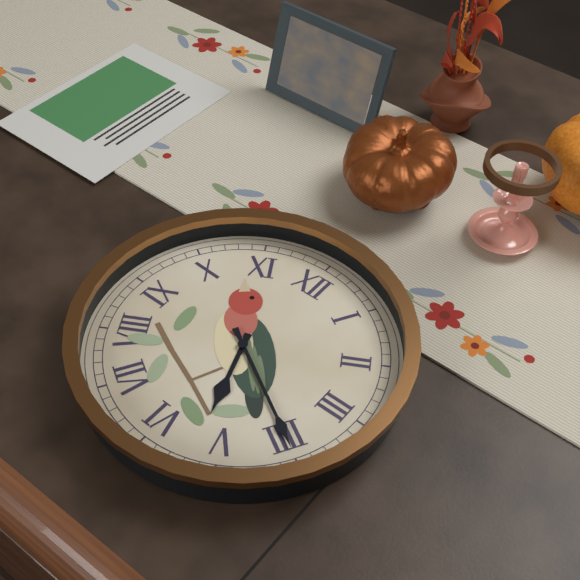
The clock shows 5.20
